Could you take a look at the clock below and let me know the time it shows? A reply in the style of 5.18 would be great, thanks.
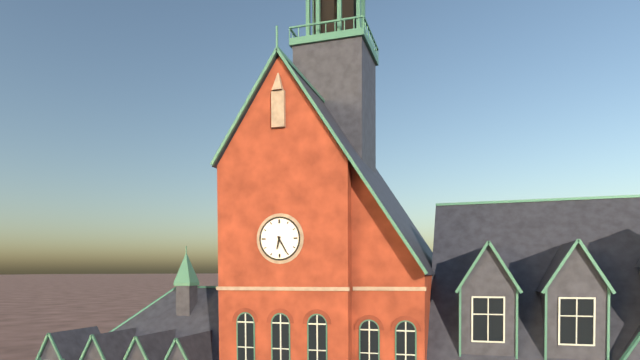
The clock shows 6.25
